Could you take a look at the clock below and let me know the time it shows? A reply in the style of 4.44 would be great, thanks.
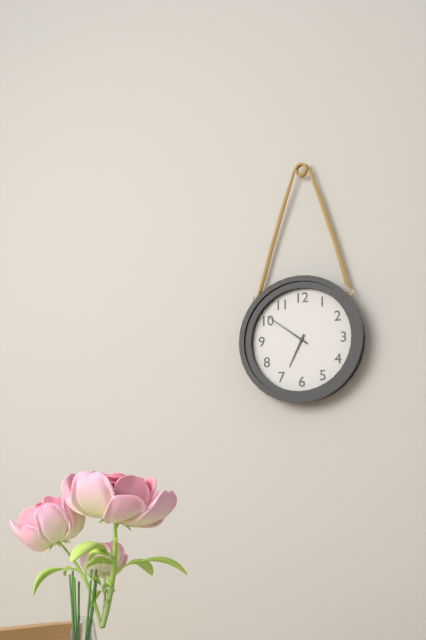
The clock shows 6.51
